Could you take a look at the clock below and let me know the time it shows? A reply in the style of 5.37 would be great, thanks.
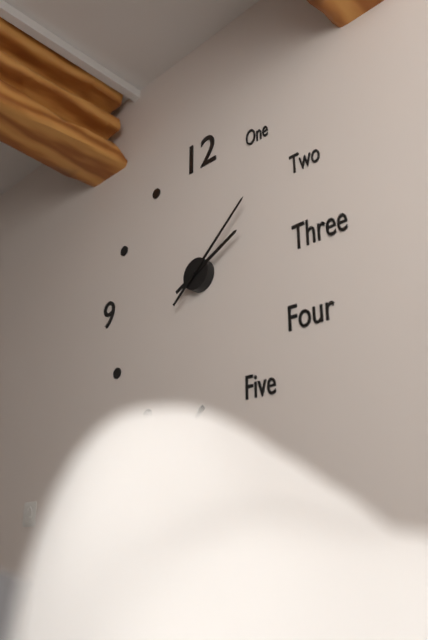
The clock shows 2.08
